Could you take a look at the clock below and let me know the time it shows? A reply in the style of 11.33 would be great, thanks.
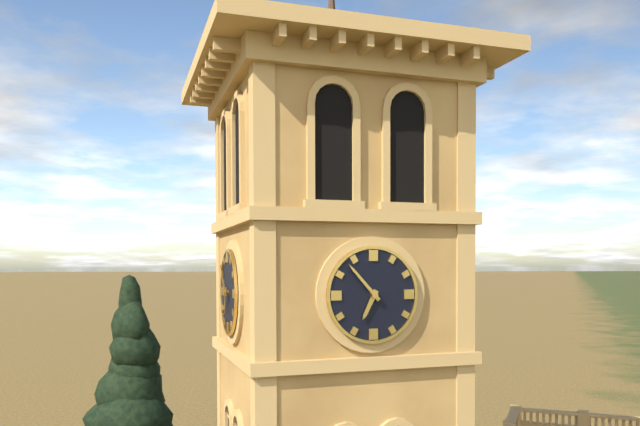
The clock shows 6.53
